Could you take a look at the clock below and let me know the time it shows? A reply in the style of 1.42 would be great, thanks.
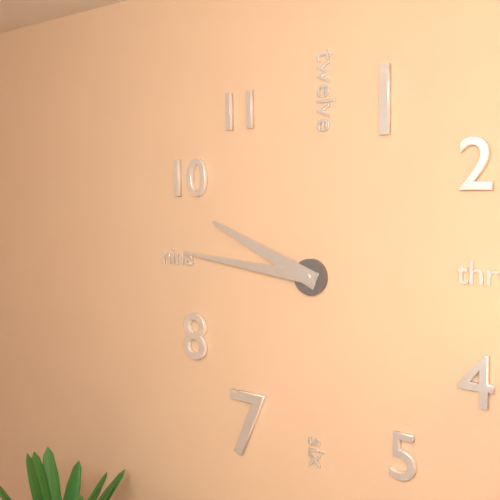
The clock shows 9.46
